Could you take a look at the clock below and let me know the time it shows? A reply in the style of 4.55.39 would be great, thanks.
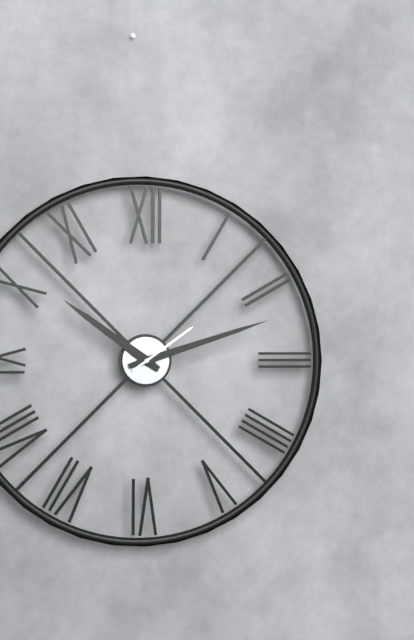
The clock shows 10.12.09
